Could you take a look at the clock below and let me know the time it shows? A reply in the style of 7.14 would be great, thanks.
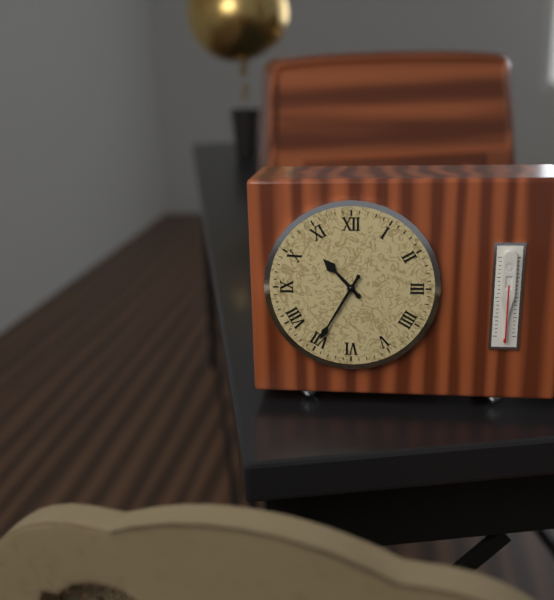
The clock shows 10.35
